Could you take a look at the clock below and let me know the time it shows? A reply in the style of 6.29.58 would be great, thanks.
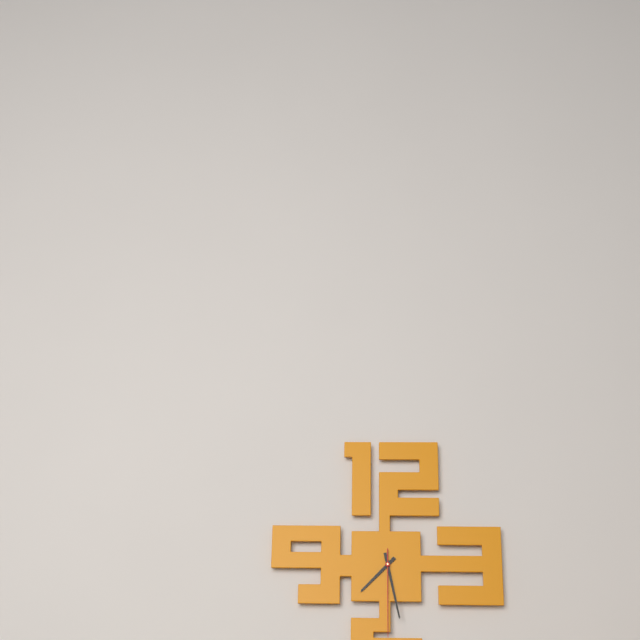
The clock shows 7.28.30
